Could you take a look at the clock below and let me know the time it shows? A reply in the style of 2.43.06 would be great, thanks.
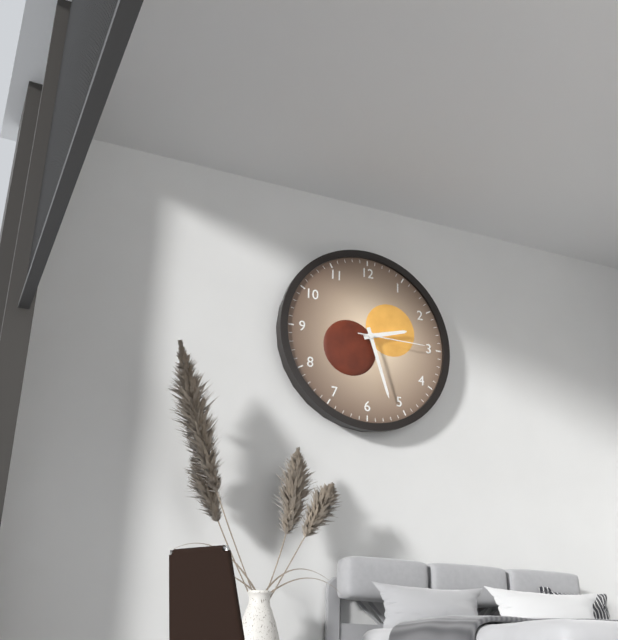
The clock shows 2.27.15
